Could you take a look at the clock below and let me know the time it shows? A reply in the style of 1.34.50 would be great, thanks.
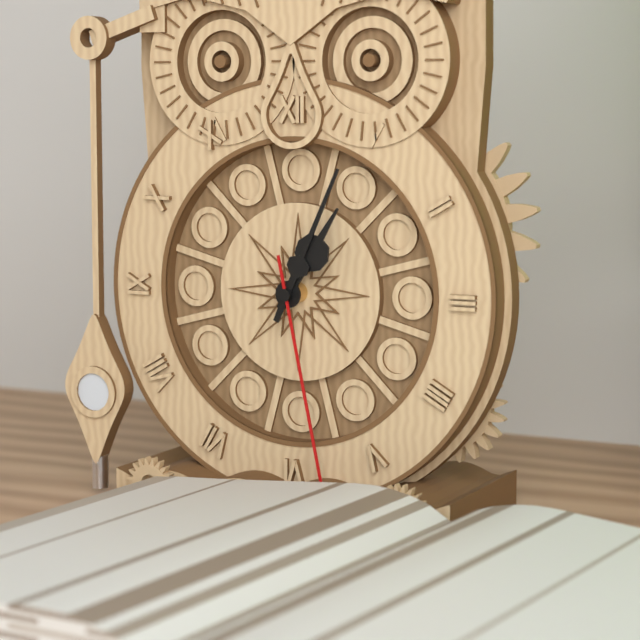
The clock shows 1.04.28
